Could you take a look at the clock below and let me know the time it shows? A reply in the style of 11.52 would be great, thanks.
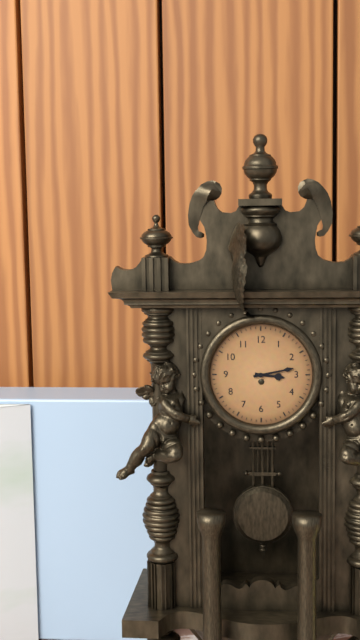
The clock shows 3.13
